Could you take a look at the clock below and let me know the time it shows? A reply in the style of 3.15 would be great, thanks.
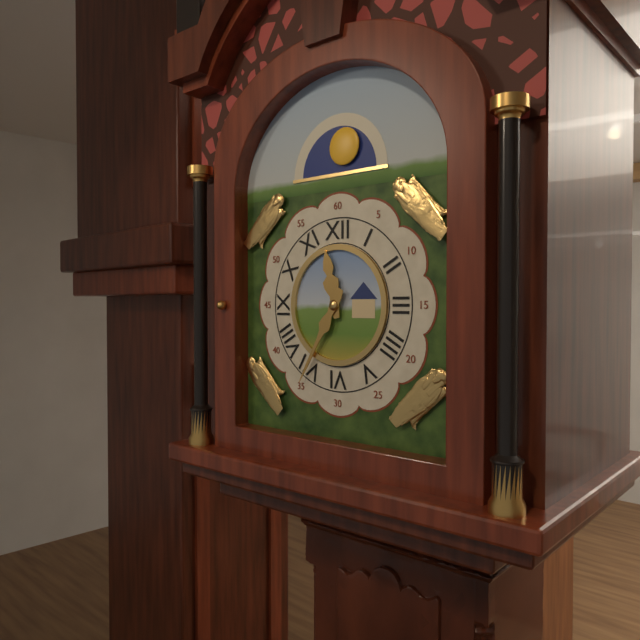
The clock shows 11.35
